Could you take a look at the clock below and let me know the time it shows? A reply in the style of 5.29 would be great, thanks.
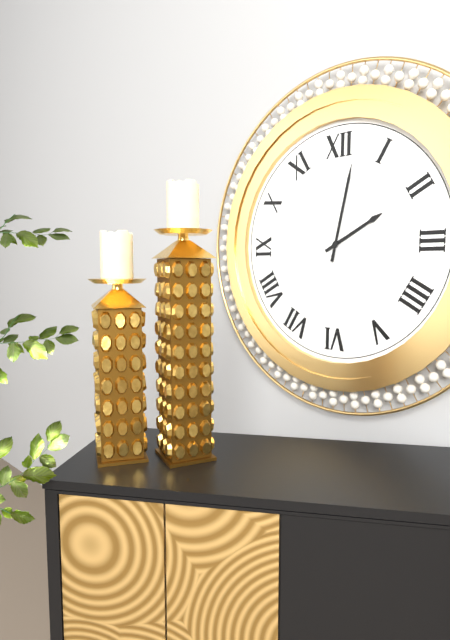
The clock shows 2.02
